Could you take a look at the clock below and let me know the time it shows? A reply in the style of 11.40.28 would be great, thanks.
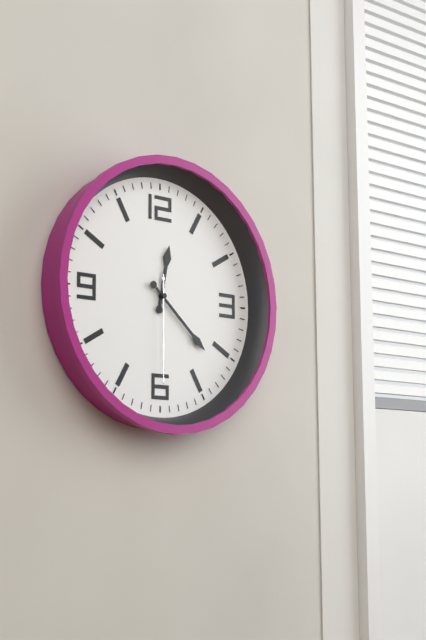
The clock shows 12.22.30
